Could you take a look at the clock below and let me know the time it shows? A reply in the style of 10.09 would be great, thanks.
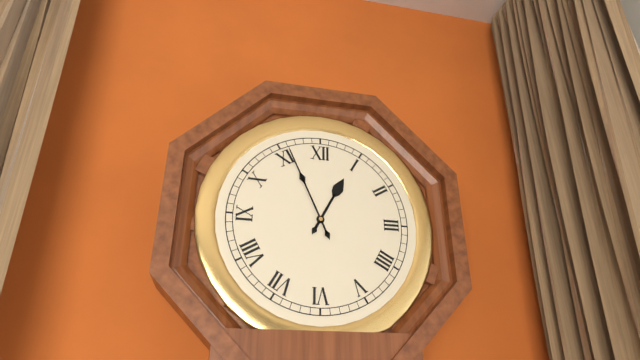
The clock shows 12.56
